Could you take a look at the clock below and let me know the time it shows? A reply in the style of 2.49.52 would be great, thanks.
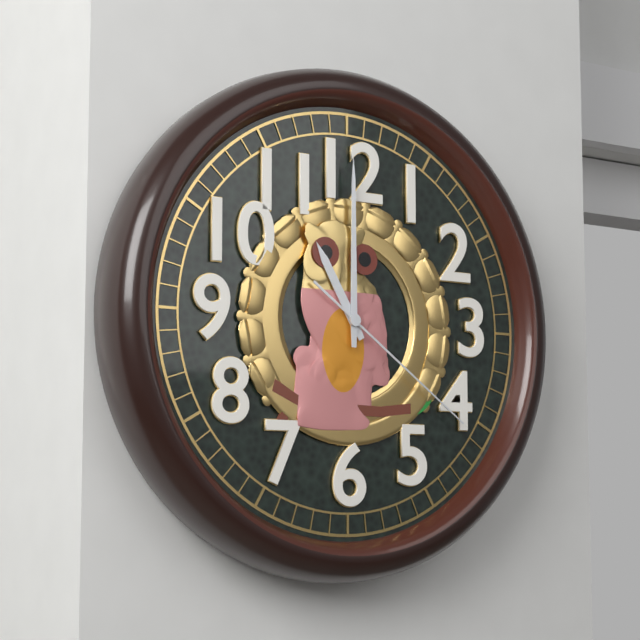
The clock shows 11.00.21
